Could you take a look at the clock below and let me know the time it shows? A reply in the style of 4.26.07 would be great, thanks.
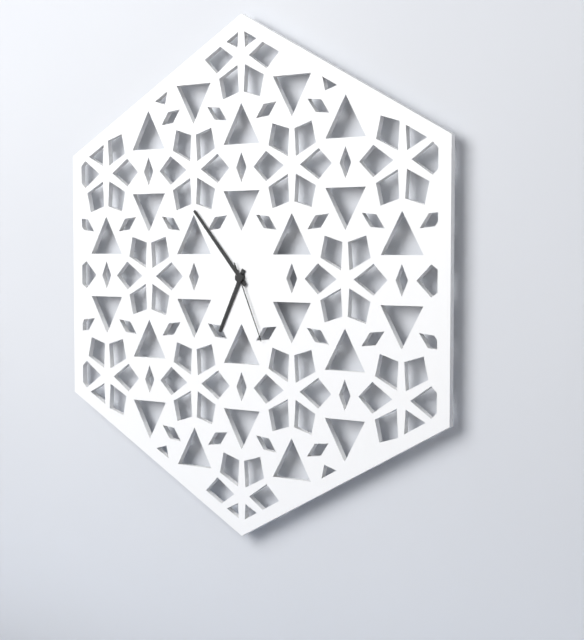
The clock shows 6.53.26
